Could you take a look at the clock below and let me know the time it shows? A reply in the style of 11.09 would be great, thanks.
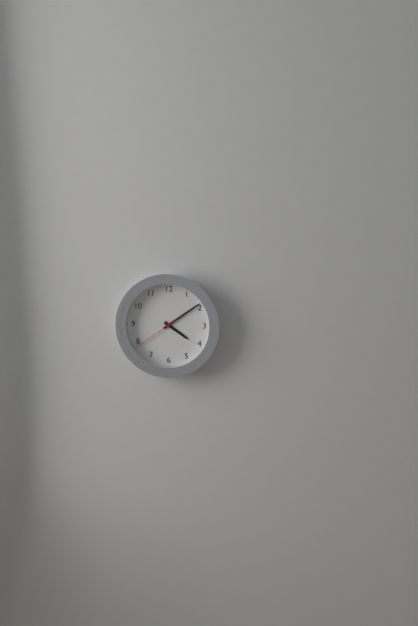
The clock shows 4.09
